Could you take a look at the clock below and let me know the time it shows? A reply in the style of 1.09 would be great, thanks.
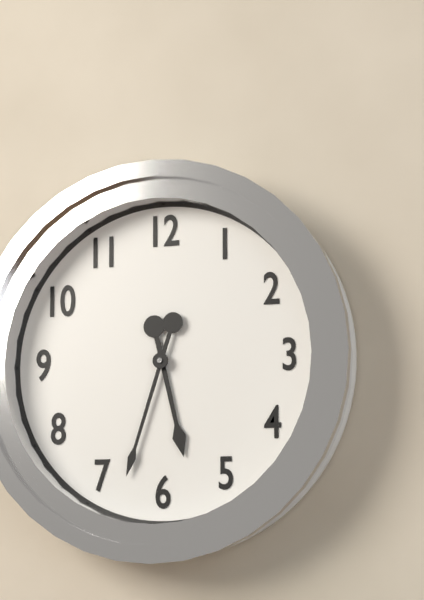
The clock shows 5.33
